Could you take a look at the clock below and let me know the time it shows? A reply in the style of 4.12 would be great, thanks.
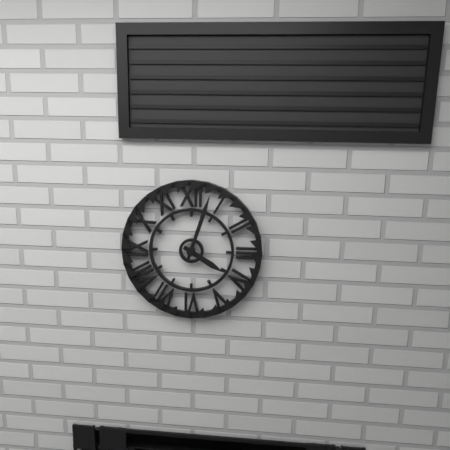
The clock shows 4.03
